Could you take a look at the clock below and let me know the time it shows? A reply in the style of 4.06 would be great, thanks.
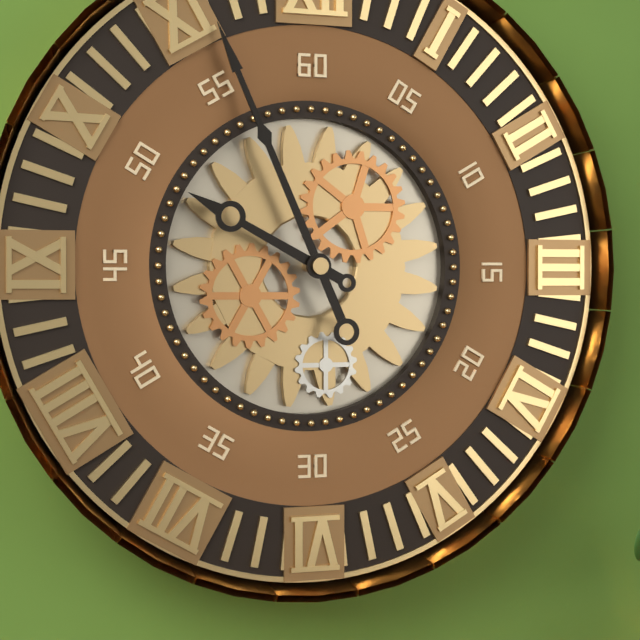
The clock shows 9.56
